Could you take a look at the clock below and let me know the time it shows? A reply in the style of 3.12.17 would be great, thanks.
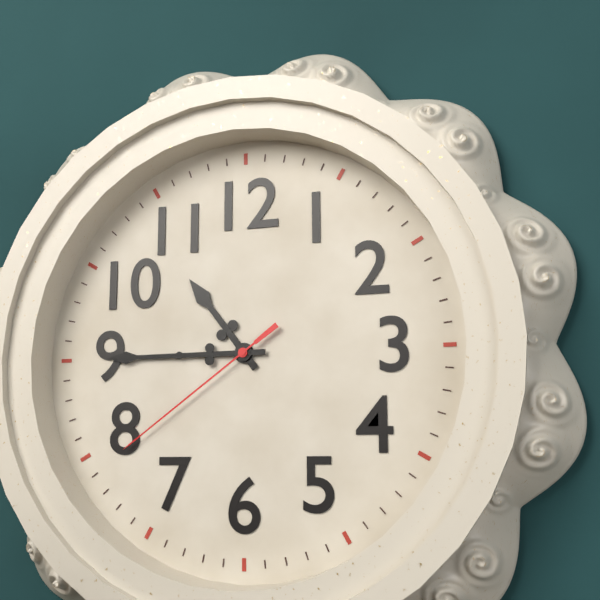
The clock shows 10.45.39
